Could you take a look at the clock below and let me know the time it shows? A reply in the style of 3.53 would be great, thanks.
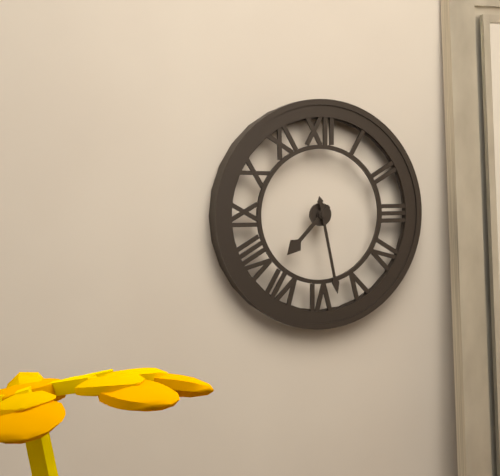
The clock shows 7.28
